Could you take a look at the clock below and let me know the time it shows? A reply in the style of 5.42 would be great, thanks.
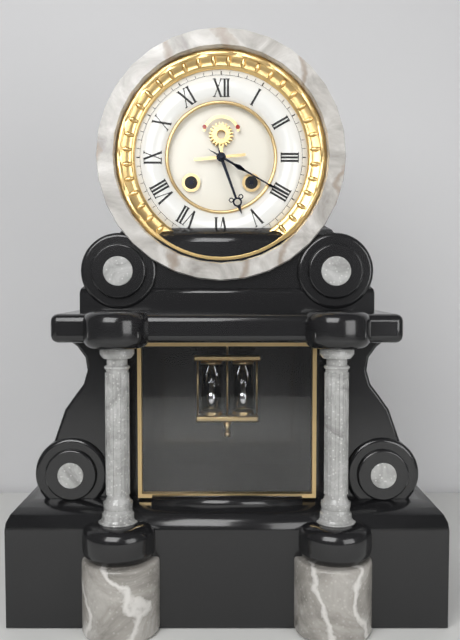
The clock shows 5.20
